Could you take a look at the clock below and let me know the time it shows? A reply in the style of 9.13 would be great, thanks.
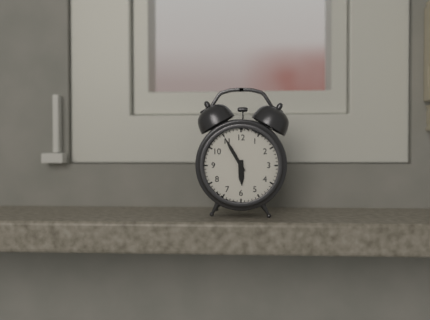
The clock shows 5.55
